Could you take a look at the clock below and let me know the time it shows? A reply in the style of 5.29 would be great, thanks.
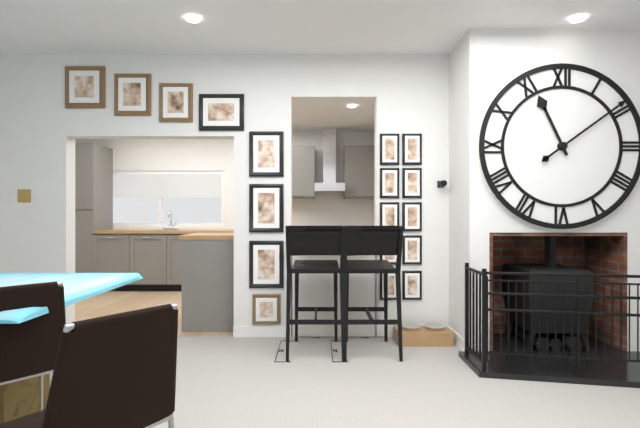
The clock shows 11.09
